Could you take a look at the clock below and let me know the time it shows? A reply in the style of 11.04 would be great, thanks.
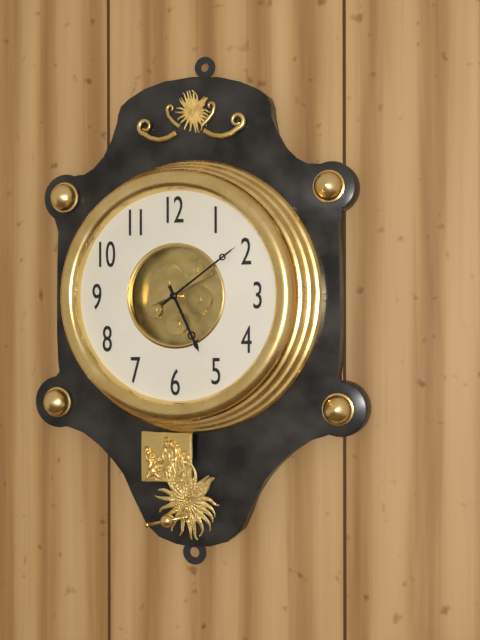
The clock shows 5.09
